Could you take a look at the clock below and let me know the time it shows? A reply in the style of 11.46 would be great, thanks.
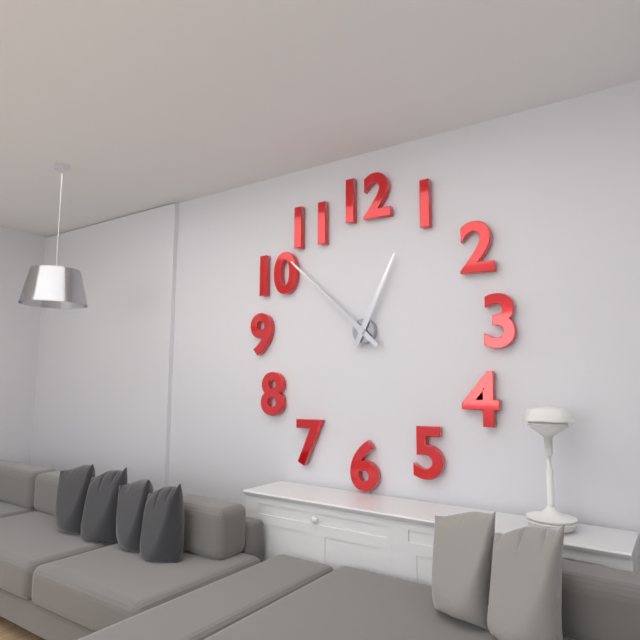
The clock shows 12.52
